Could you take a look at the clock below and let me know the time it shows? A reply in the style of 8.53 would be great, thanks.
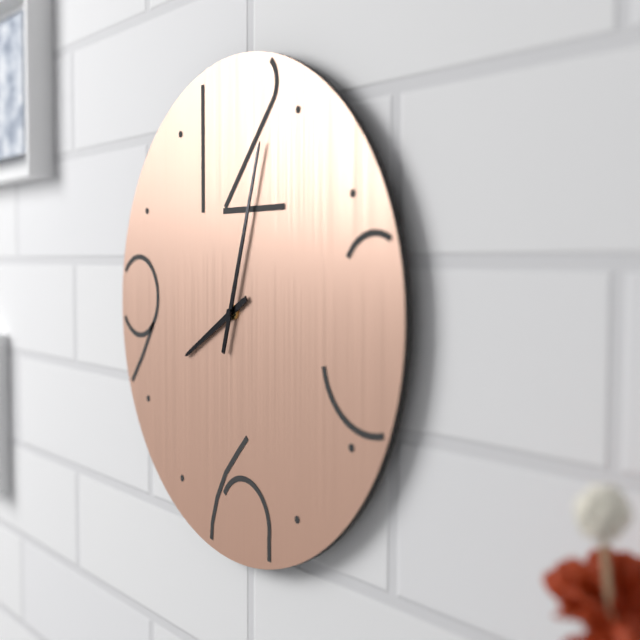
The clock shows 8.03
